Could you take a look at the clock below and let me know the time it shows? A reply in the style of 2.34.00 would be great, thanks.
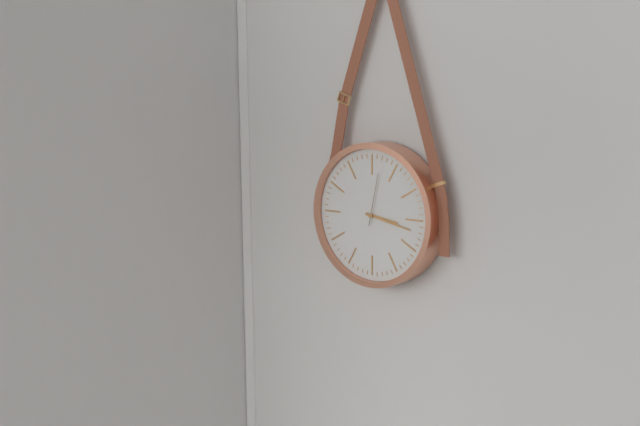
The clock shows 3.17.02
